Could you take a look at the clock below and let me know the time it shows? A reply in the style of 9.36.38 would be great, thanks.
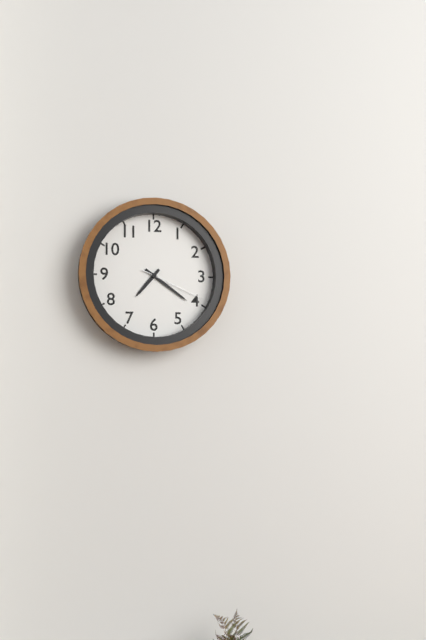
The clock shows 7.21.19
